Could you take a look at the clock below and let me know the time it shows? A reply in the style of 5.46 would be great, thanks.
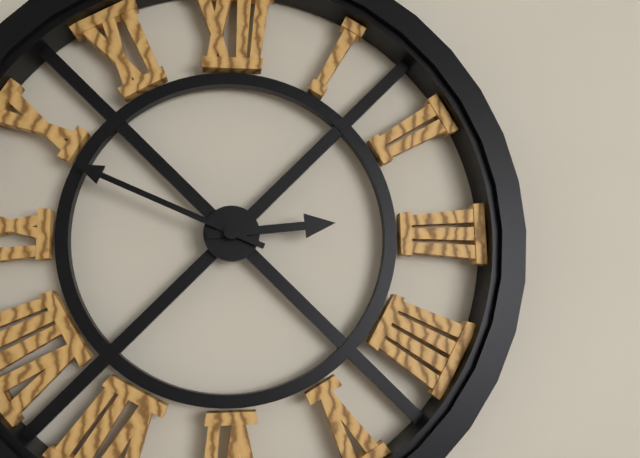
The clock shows 2.49
